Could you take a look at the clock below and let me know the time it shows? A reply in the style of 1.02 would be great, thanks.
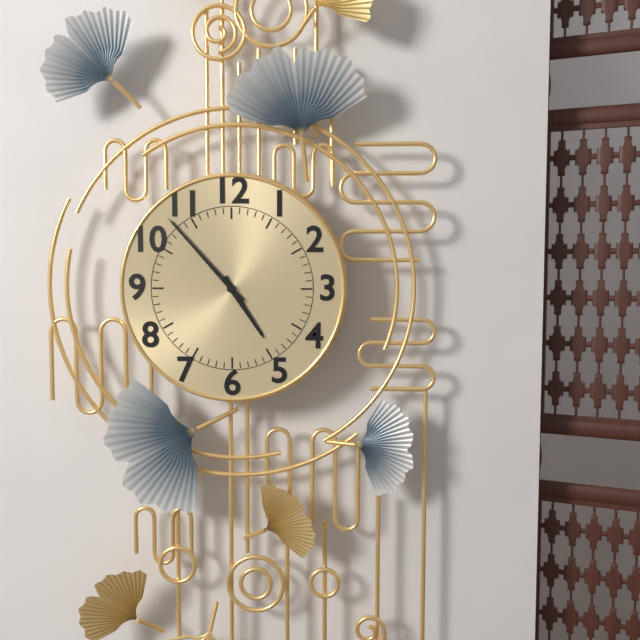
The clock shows 4.53
